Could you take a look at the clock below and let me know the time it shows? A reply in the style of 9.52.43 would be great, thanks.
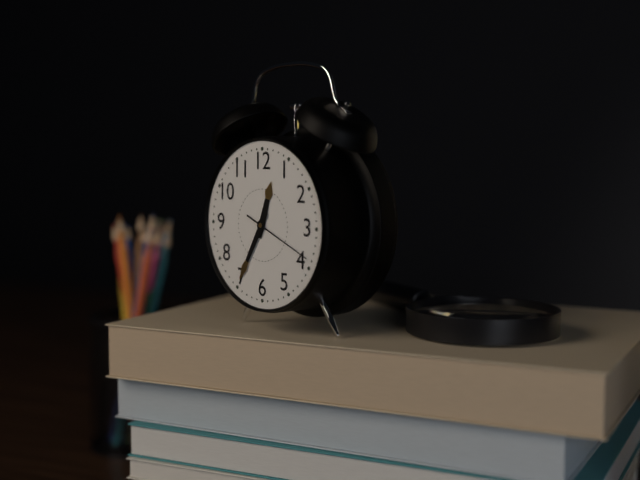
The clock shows 12.35.19
